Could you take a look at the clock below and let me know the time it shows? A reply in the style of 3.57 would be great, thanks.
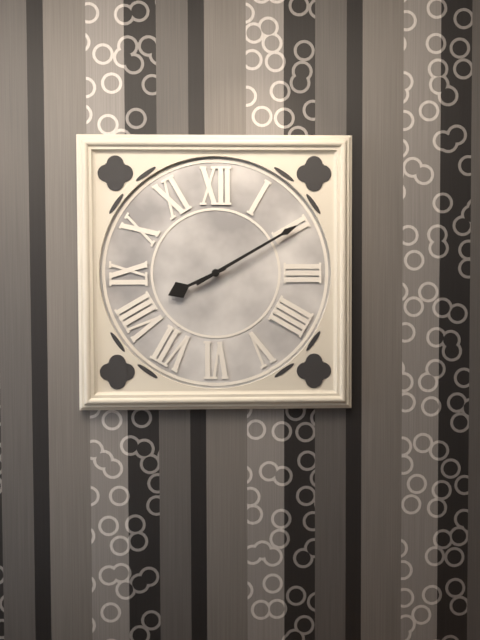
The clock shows 8.10
